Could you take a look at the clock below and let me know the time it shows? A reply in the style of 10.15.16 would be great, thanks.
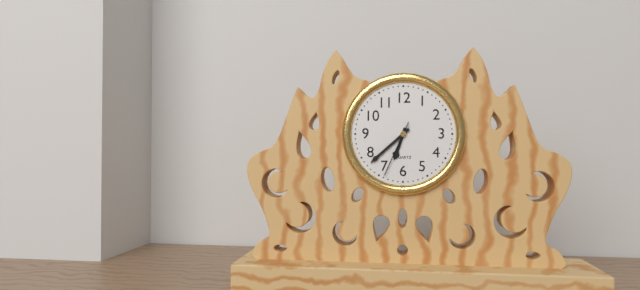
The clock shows 6.38.34
